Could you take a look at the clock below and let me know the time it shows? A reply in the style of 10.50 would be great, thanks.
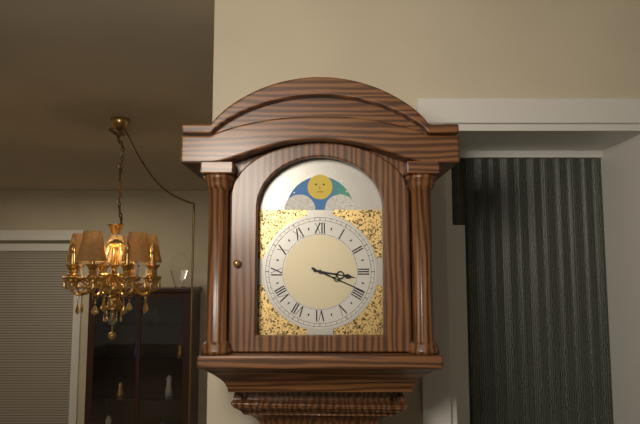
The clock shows 3.19
